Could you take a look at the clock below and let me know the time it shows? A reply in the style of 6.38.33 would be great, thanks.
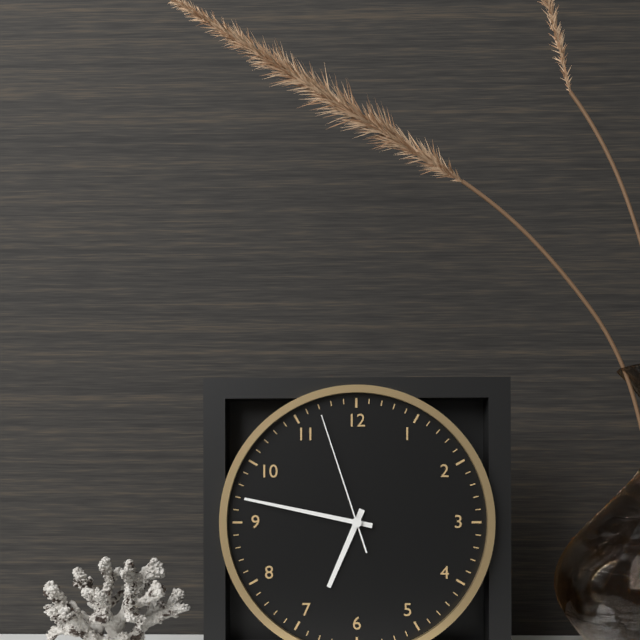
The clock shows 6.47.57
